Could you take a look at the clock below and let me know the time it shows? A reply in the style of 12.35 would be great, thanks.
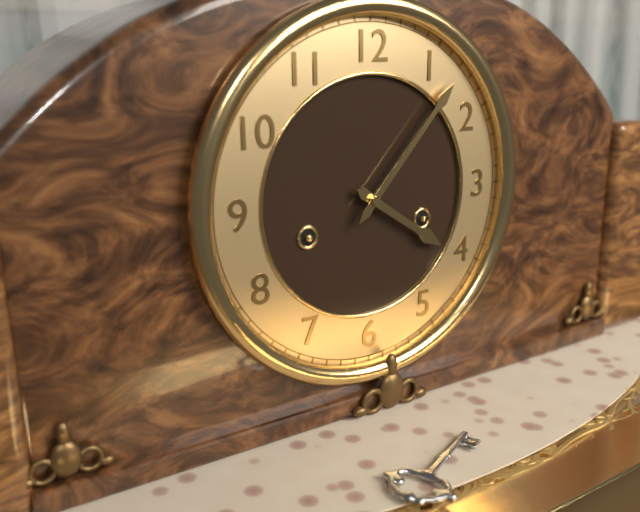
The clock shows 4.07
